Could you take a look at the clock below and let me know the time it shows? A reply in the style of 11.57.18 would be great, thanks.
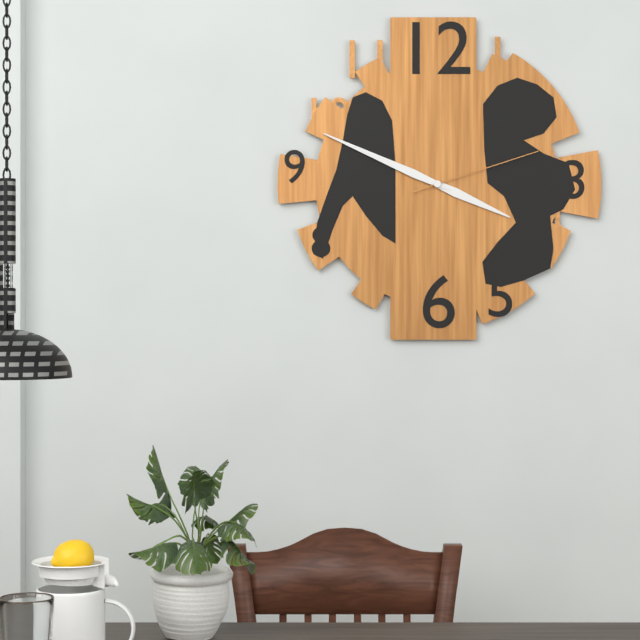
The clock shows 3.49.12
